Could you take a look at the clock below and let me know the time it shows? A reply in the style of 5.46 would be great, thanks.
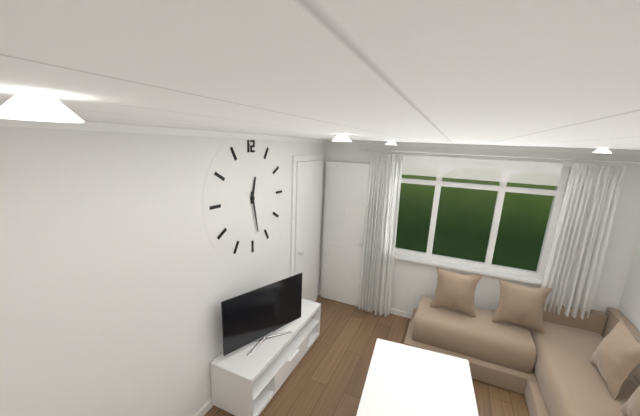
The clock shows 12.28
